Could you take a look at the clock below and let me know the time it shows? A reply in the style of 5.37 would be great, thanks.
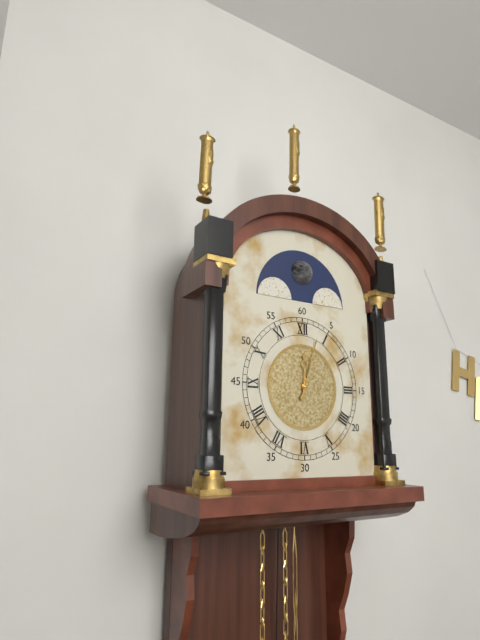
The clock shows 12.03
